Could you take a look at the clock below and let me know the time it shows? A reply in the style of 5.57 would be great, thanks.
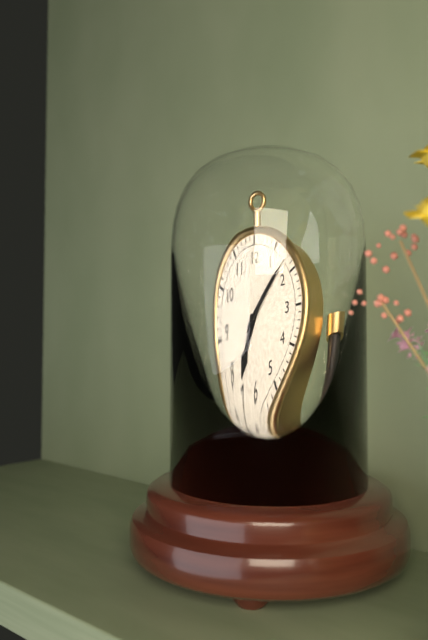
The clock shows 7.08
